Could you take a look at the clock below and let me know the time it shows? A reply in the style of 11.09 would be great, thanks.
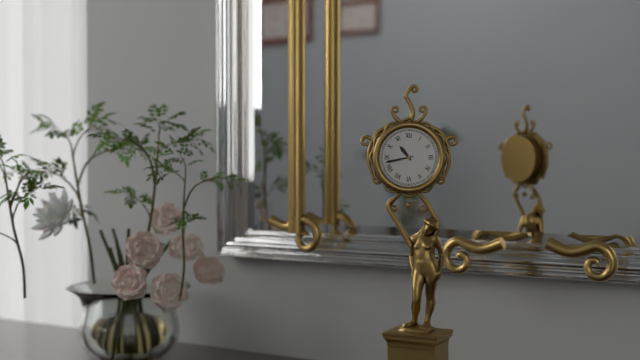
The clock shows 10.43
